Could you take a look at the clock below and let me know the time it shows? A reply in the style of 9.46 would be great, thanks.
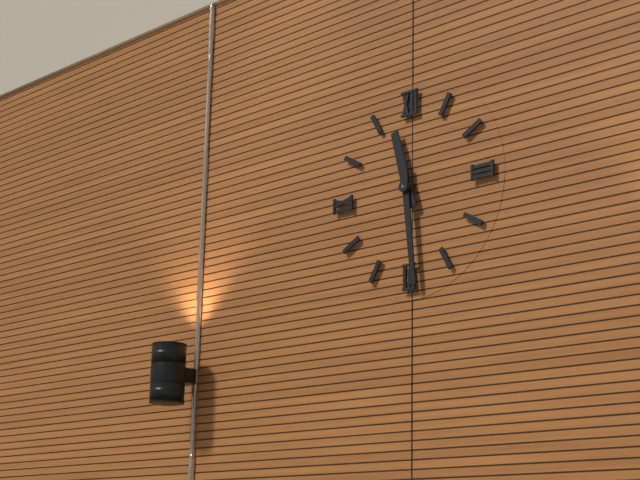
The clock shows 11.29
